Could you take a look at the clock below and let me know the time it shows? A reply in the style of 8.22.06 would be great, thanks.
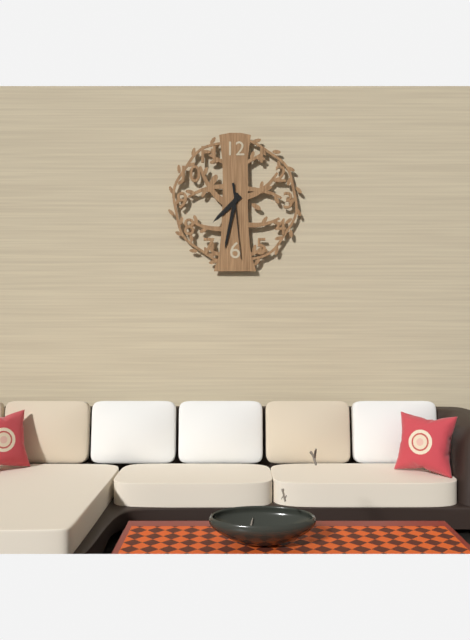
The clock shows 7.32.29
